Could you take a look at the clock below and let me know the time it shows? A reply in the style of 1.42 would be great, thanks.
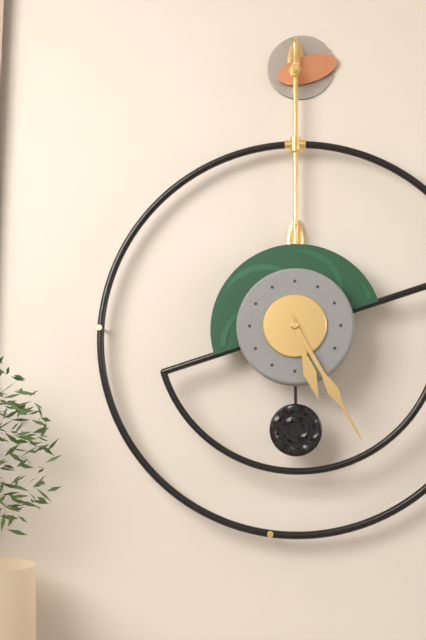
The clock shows 5.25
